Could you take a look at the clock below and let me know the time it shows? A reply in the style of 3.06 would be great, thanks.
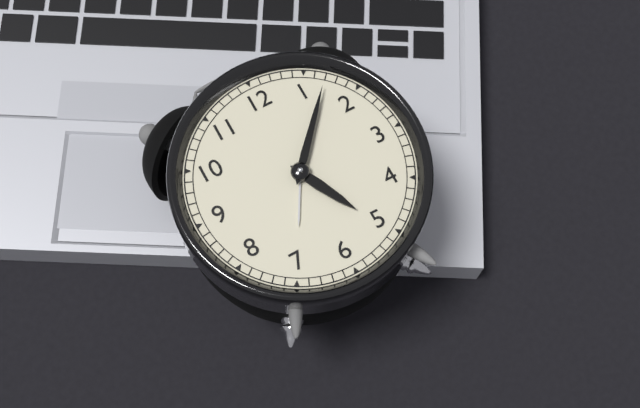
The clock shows 5.07
